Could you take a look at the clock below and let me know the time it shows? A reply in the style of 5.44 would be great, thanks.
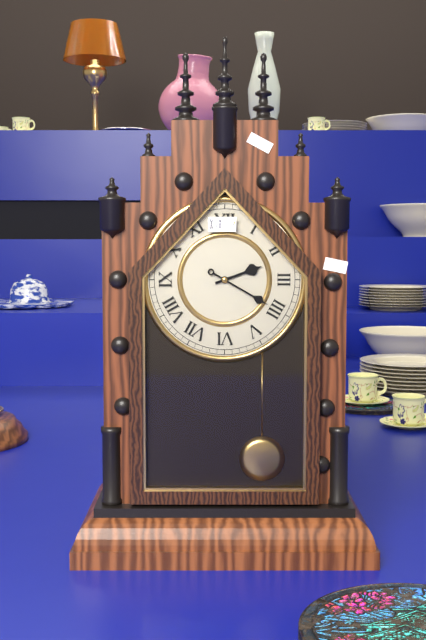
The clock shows 2.20
